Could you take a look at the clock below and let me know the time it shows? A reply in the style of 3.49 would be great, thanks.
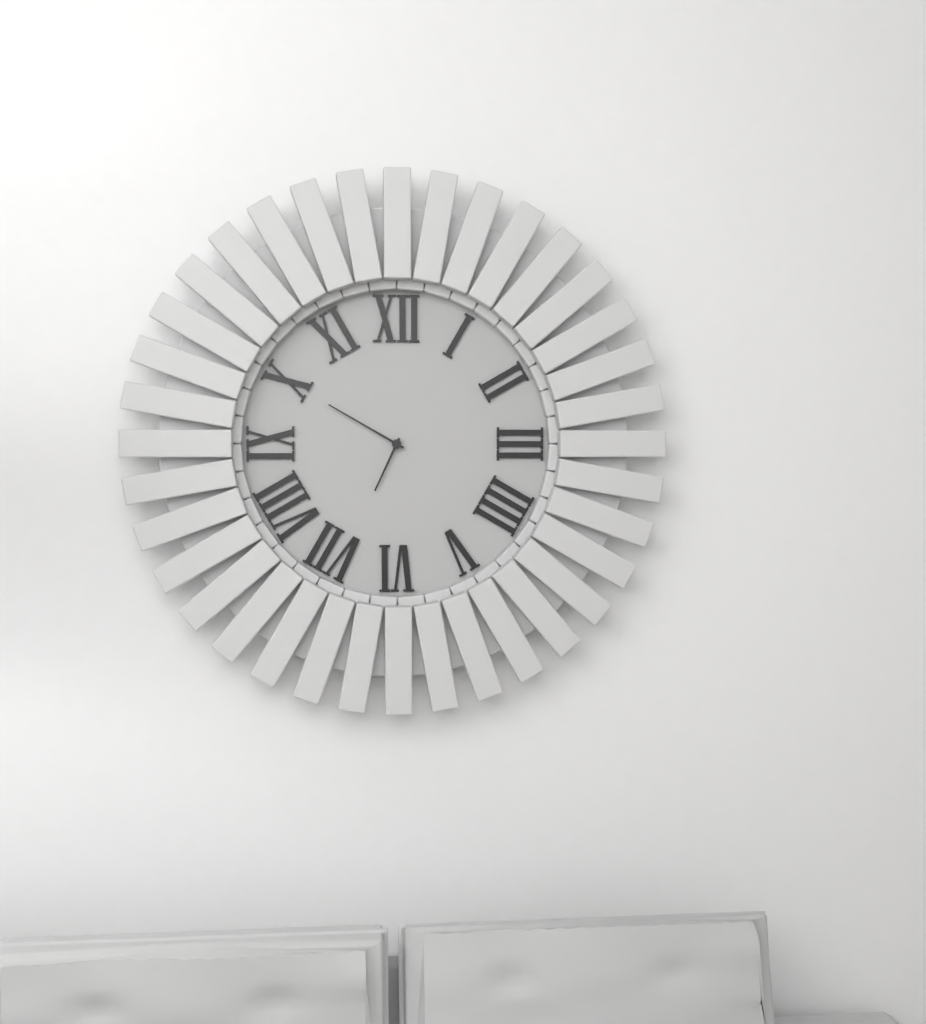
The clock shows 6.50
